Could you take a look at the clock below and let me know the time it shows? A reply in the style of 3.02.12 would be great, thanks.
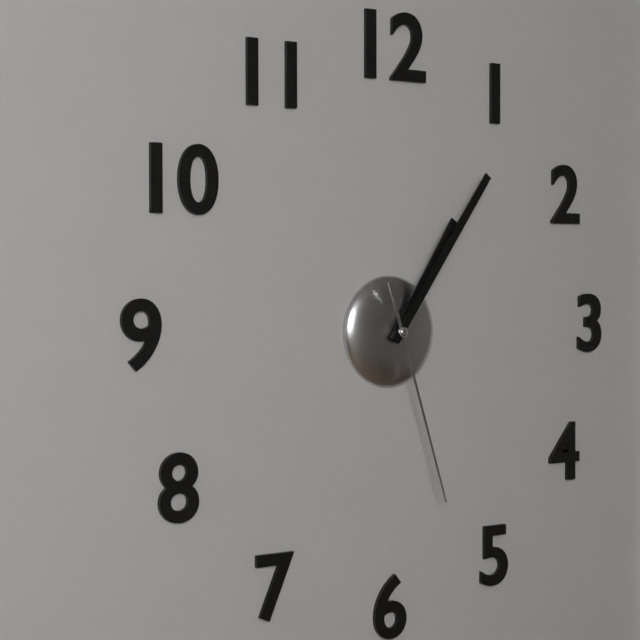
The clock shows 1.06.27
